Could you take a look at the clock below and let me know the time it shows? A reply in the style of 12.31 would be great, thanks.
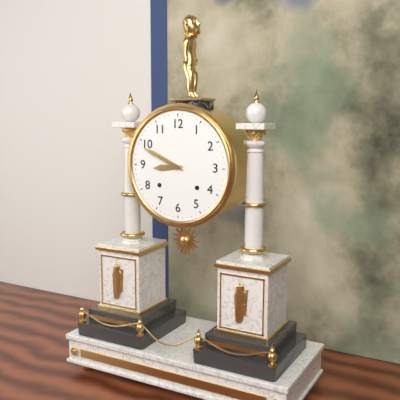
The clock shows 8.49
